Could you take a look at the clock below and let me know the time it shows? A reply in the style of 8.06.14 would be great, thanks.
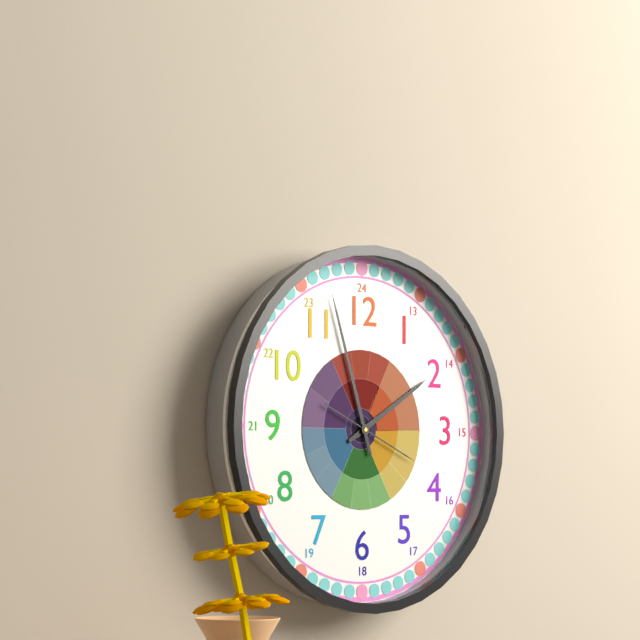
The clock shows 1.57.19
